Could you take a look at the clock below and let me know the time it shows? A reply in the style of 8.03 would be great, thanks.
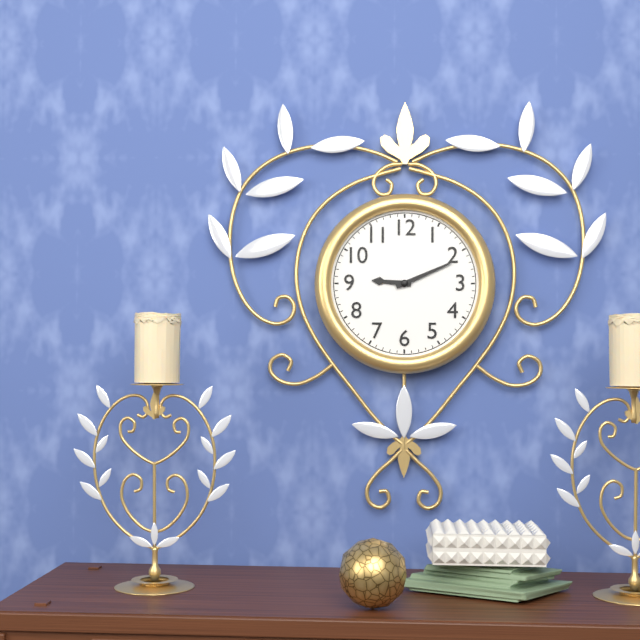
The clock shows 9.11
